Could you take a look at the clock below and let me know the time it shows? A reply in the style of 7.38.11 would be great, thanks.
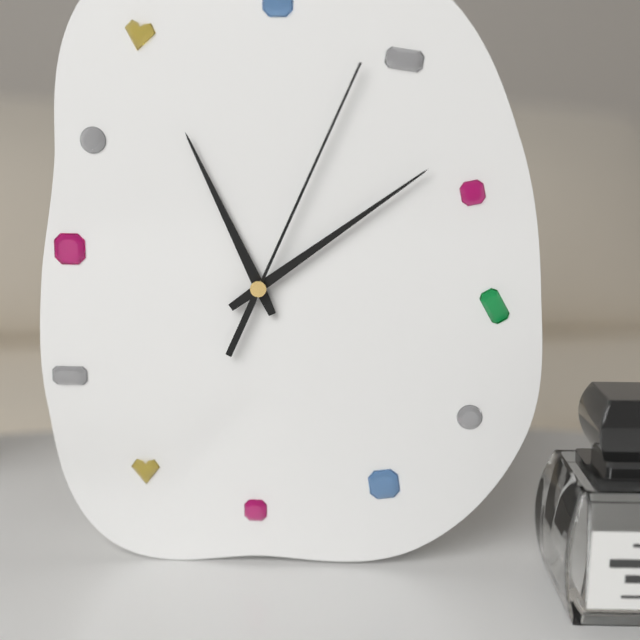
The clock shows 11.09.04
